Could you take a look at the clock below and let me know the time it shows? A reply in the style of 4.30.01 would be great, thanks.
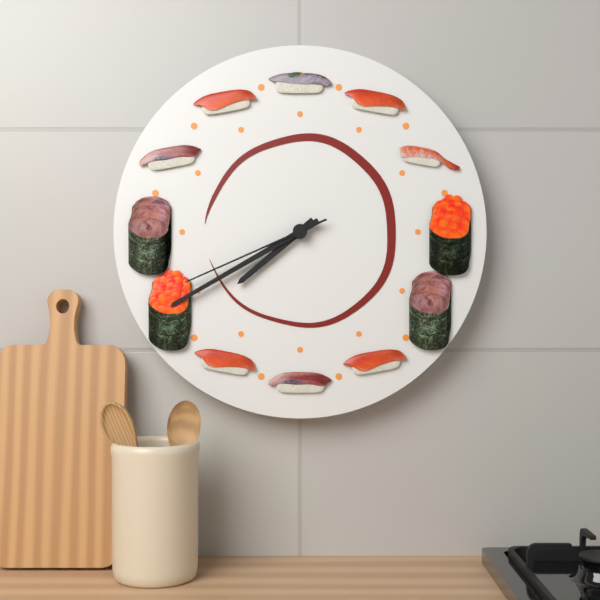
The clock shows 7.40.41
